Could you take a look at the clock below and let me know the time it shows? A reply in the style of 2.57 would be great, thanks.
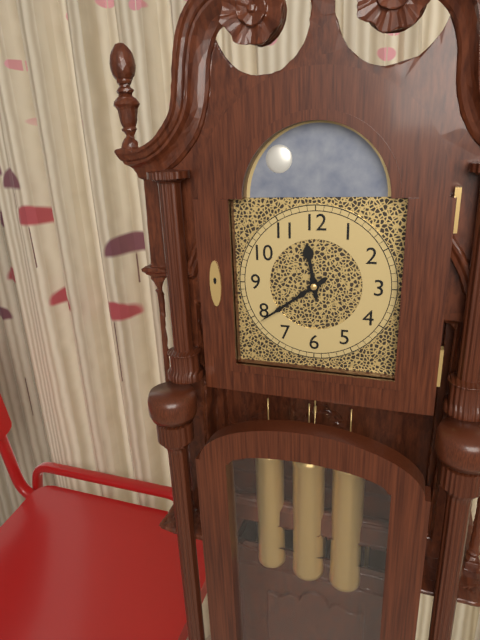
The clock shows 11.39
